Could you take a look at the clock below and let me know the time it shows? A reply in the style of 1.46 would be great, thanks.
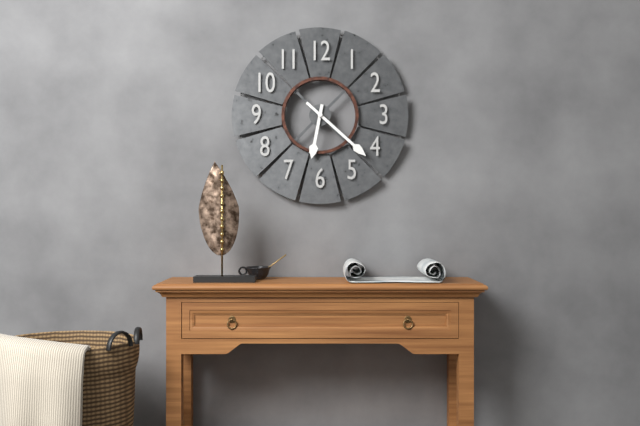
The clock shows 6.22
